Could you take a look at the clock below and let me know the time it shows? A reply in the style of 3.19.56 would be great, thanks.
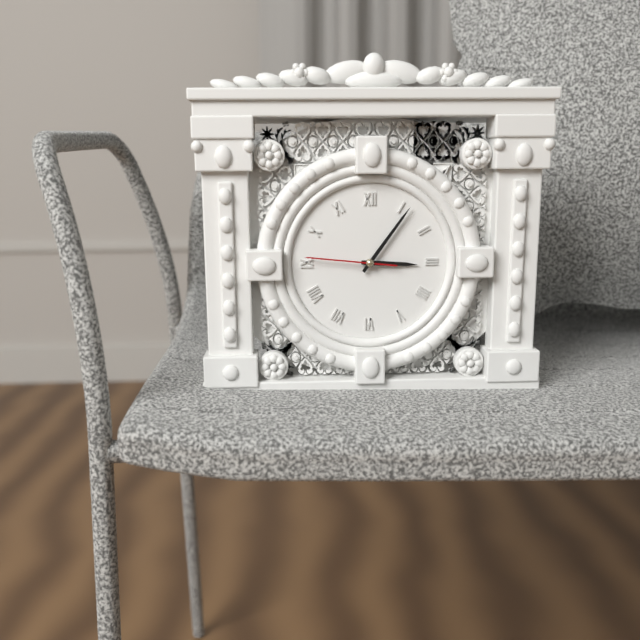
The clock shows 3.06.46
